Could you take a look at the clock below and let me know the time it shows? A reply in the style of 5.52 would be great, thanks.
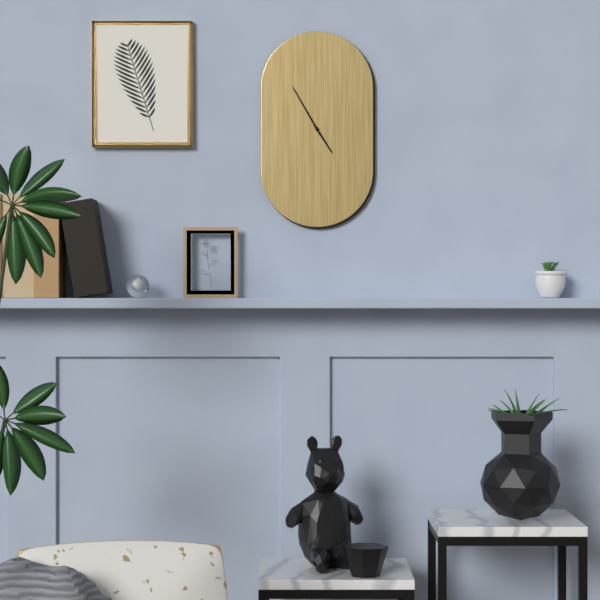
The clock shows 4.55
